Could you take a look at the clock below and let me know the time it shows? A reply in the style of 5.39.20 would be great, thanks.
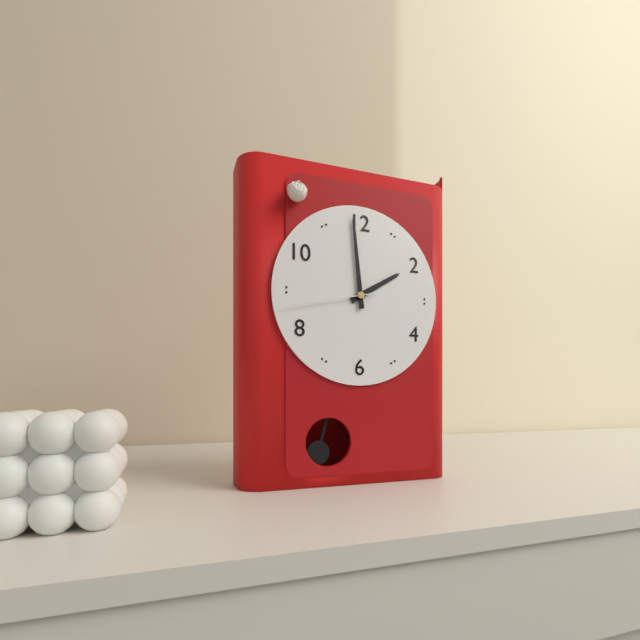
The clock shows 1.59.43
